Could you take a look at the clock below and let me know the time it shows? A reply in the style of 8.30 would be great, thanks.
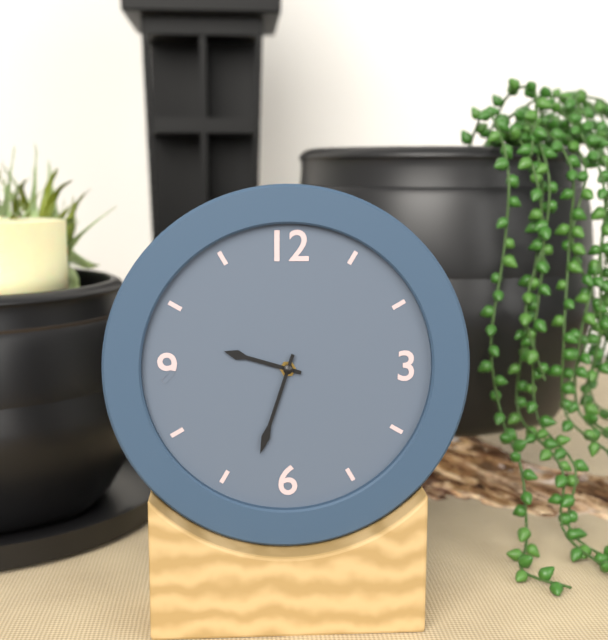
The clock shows 9.33
